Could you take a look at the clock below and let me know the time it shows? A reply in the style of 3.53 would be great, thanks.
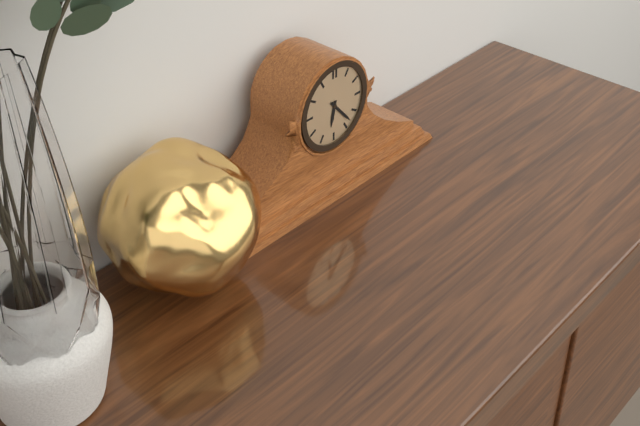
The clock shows 6.23
